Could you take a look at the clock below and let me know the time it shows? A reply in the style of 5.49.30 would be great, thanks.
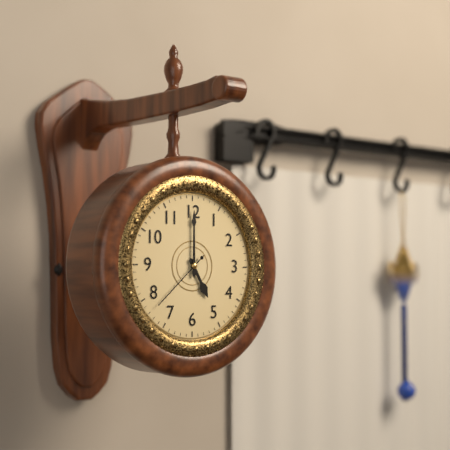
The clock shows 5.00.38
